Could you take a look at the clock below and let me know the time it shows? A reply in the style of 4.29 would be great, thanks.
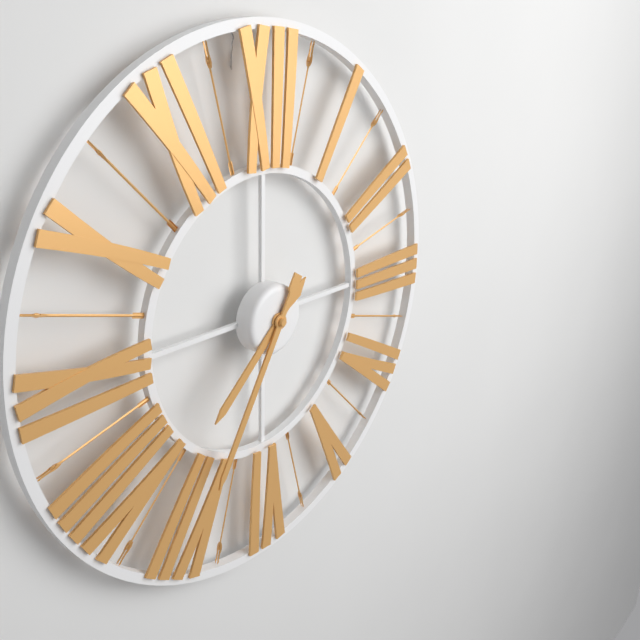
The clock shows 7.35
